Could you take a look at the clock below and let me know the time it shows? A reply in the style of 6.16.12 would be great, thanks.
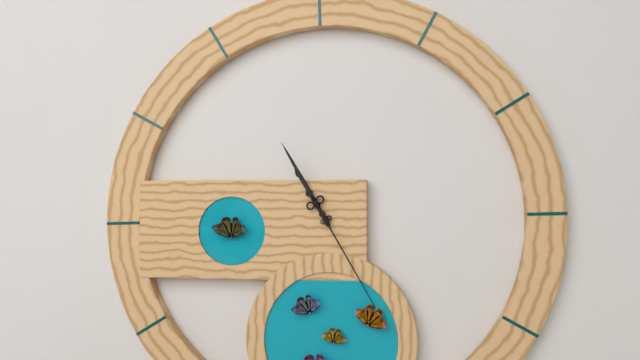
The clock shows 10.55.25
